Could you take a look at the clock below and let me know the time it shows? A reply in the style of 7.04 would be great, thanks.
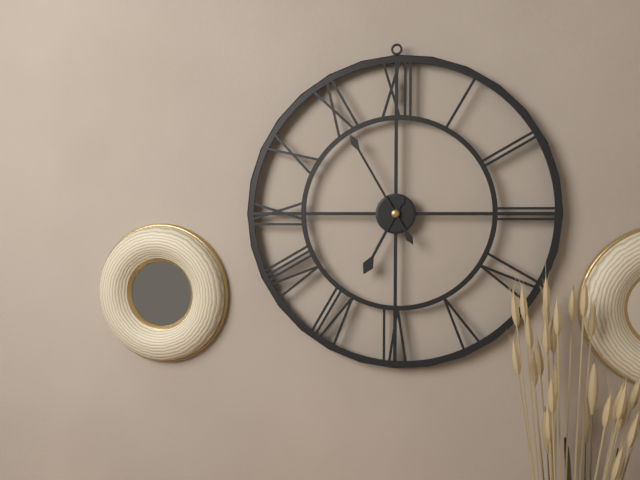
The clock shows 6.55
